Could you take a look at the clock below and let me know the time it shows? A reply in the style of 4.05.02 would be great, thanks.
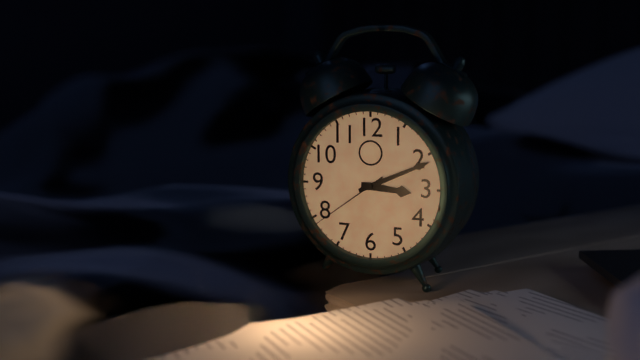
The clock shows 3.11.39
